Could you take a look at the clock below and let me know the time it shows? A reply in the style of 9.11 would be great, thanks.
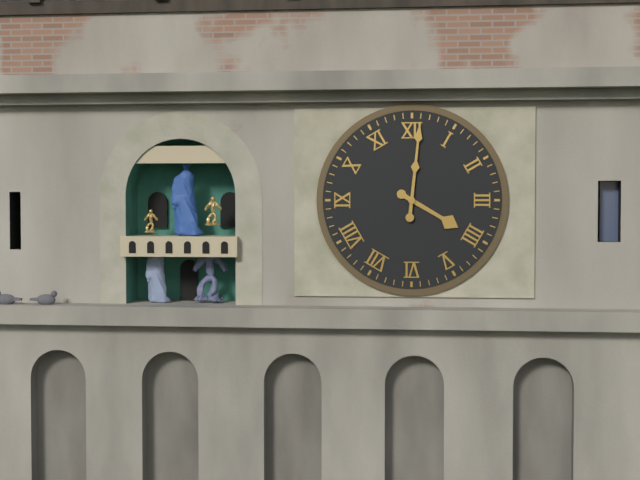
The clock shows 4.01
